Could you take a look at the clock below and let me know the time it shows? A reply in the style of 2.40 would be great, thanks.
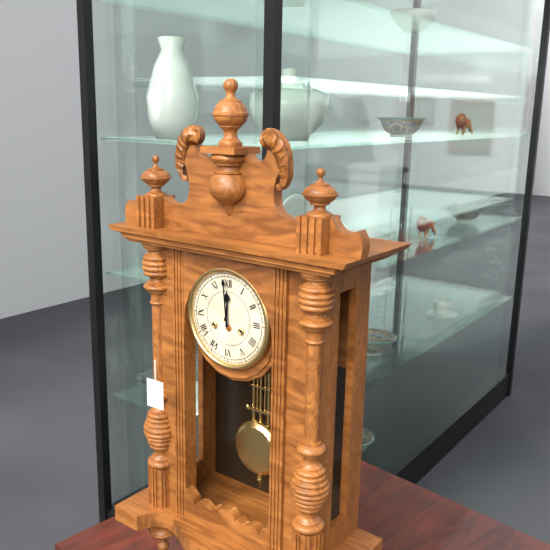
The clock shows 11.59
